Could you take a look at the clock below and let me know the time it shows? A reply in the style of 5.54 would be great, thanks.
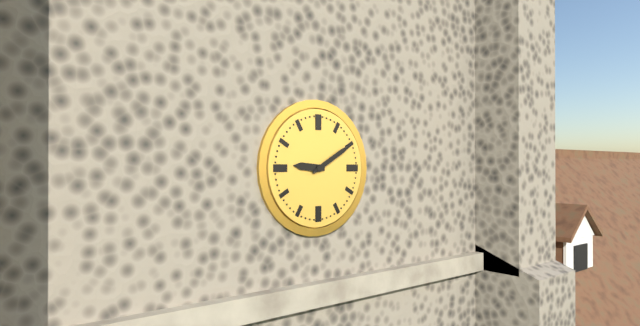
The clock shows 9.10
